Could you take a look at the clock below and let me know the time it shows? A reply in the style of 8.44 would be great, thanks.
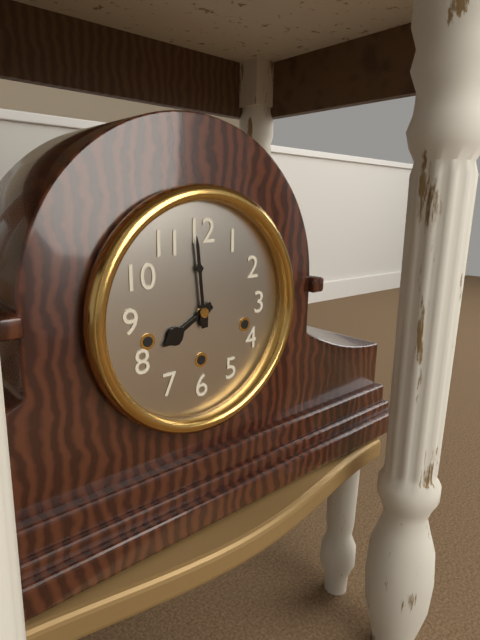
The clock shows 7.59
